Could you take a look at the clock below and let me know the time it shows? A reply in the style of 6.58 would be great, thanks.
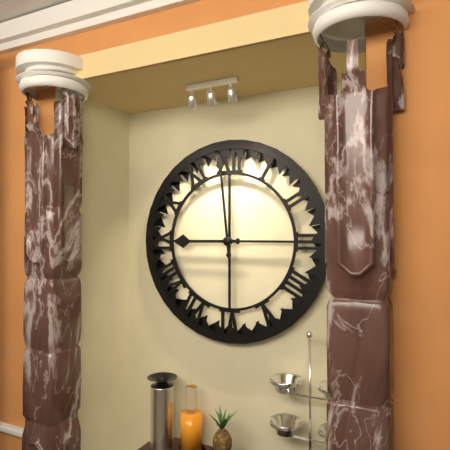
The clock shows 8.59
